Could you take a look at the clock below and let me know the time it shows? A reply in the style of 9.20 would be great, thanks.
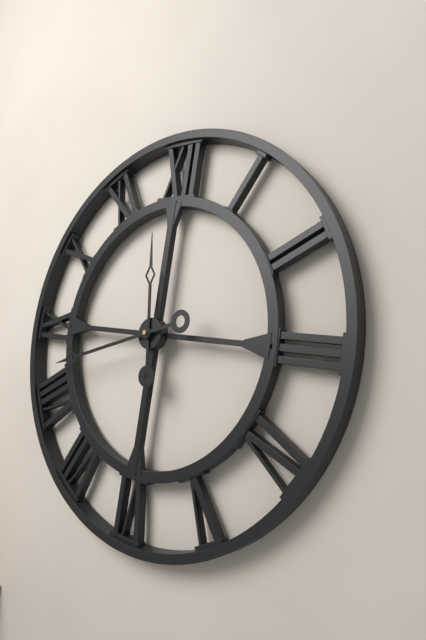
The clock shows 11.42
